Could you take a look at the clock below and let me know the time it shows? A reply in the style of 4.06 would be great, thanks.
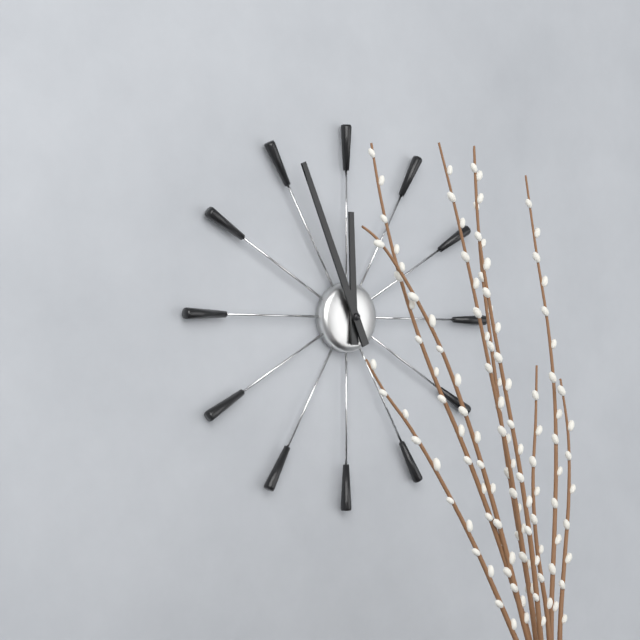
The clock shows 11.56
